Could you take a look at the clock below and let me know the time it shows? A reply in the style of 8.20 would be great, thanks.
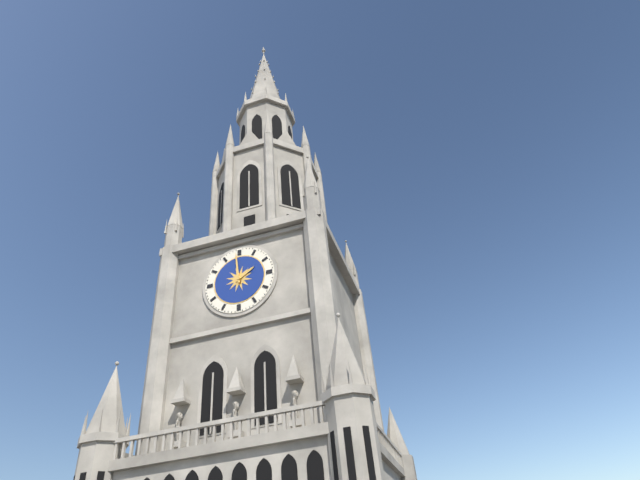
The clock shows 1.59
